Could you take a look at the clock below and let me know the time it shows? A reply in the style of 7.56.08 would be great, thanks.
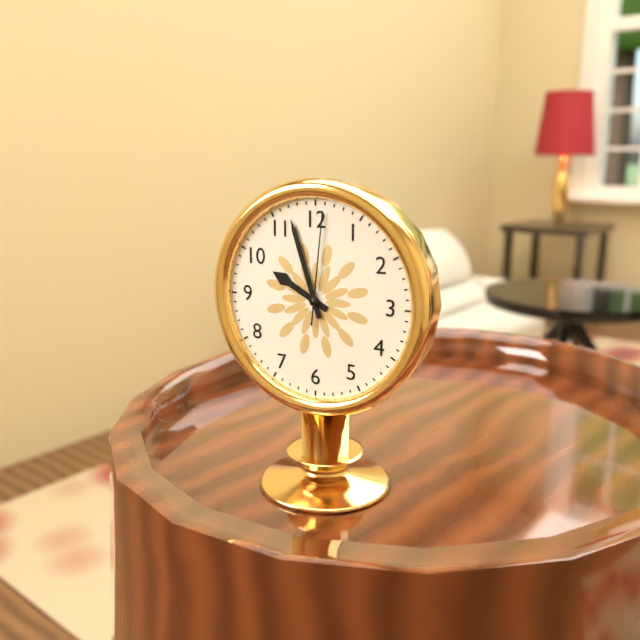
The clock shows 9.57.01
